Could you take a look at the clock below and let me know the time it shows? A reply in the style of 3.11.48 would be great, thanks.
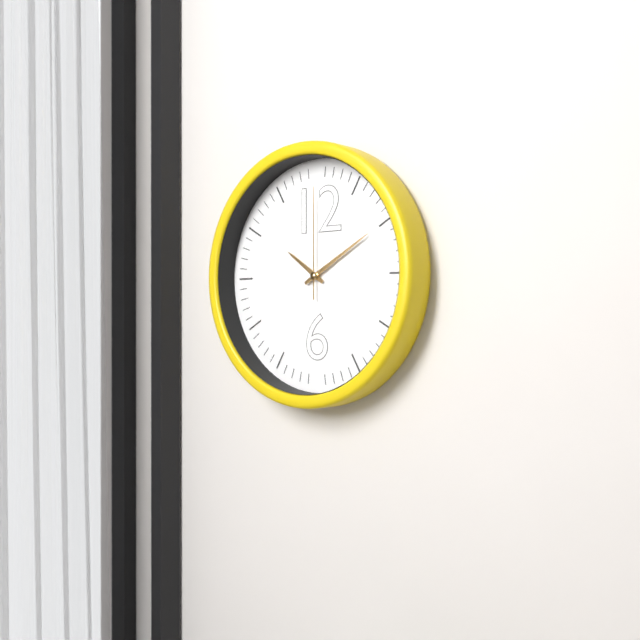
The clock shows 10.10.00
